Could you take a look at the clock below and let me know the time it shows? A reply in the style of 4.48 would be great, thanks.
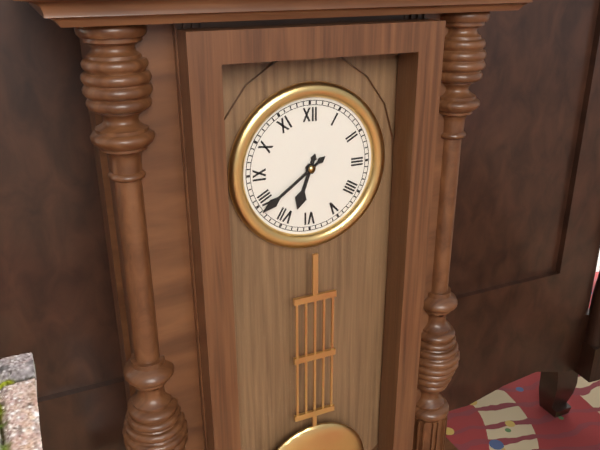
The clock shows 6.39
